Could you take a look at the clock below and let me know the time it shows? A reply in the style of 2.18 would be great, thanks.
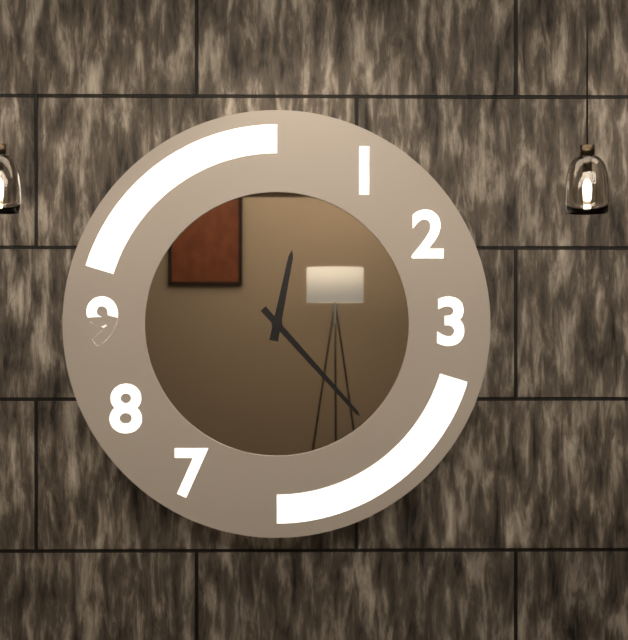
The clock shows 12.23
